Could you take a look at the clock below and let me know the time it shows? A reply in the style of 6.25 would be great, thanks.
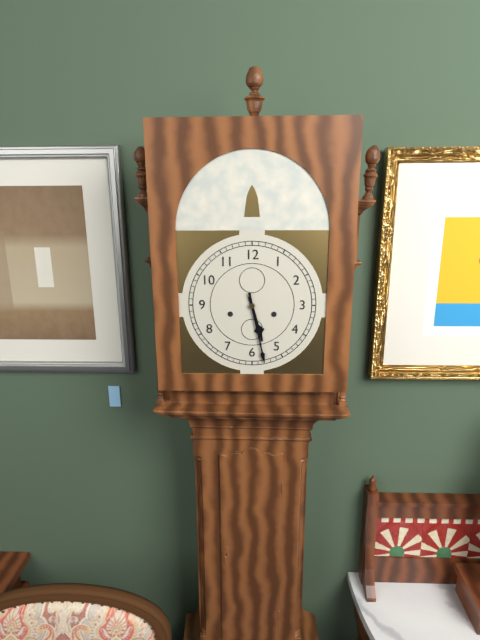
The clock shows 5.28
